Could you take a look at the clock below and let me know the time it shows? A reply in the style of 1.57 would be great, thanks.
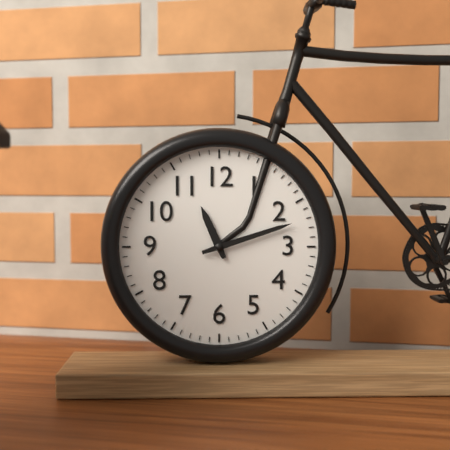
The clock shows 11.12
